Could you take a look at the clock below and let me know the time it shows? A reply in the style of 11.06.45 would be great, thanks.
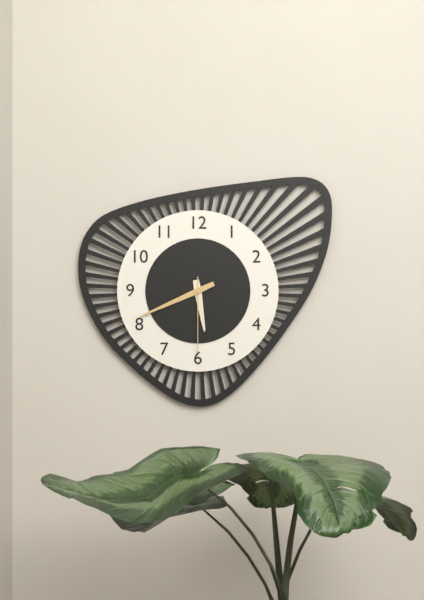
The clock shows 5.41.30
